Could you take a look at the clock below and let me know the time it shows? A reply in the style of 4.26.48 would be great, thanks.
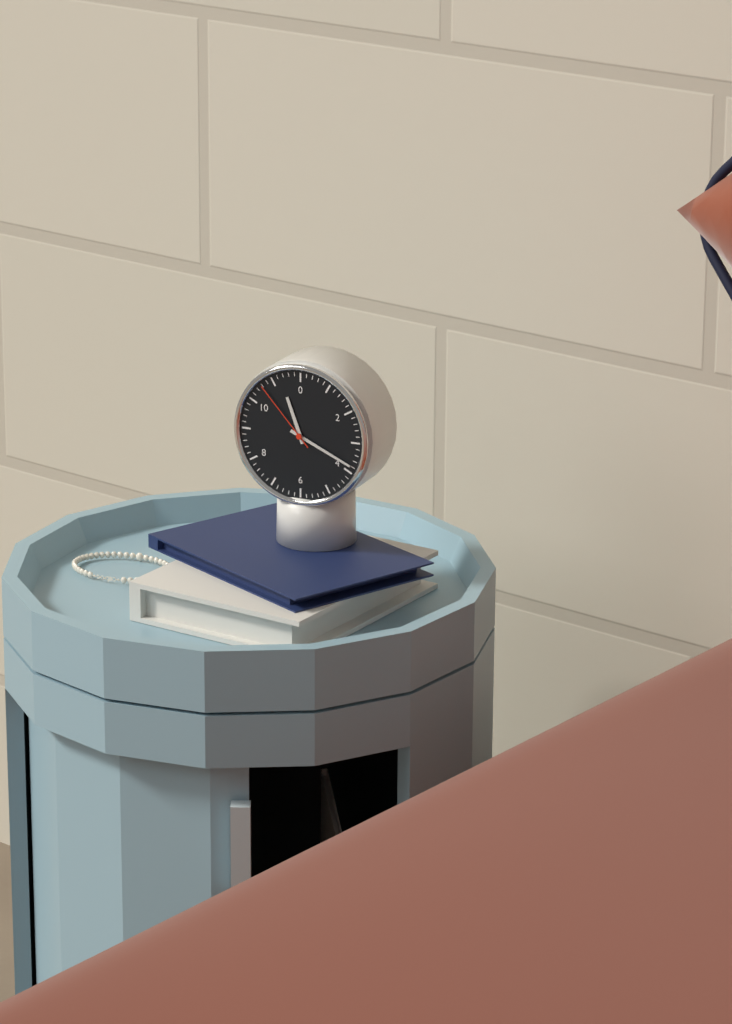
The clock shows 11.19.53
